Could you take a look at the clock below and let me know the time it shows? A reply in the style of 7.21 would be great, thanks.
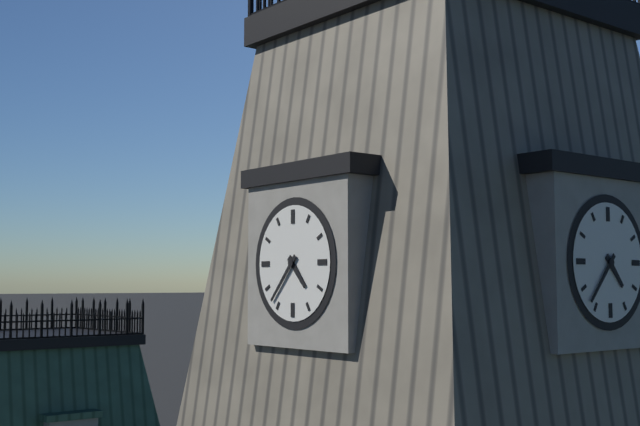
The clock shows 4.37
